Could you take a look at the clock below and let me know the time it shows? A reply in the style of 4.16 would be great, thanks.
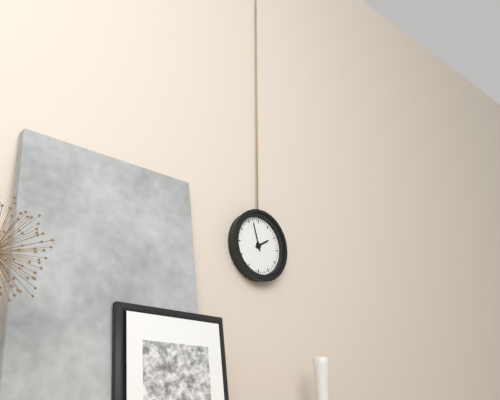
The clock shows 1.57
